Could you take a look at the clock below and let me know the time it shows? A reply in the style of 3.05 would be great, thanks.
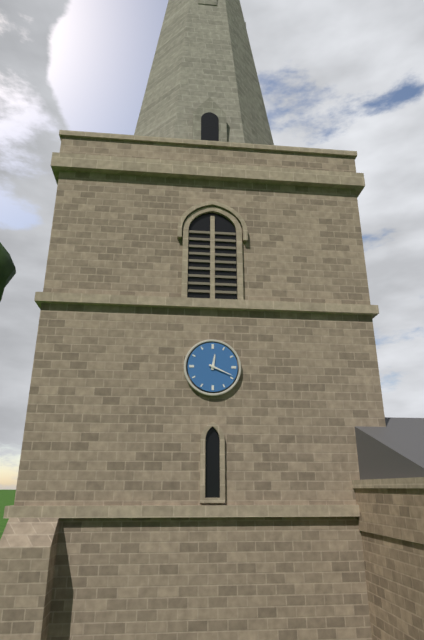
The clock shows 12.19
